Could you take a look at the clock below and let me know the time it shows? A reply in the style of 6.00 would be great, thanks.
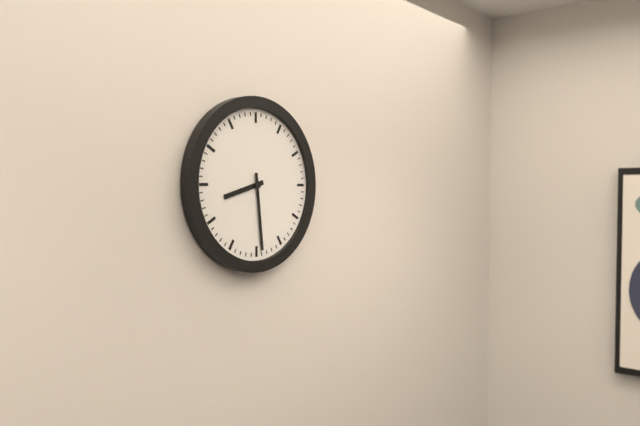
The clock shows 8.29
